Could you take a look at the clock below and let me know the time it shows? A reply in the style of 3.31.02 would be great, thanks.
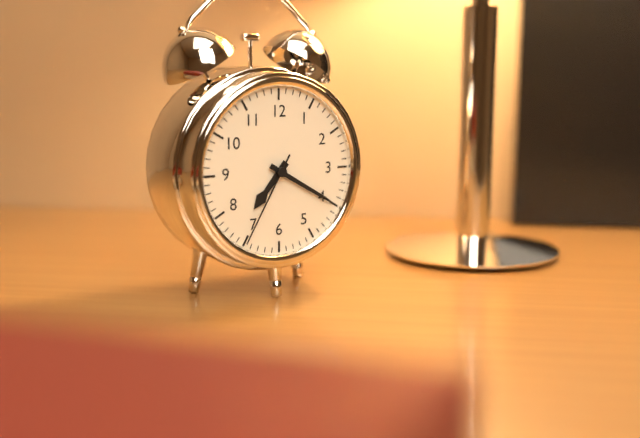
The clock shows 7.20.35
